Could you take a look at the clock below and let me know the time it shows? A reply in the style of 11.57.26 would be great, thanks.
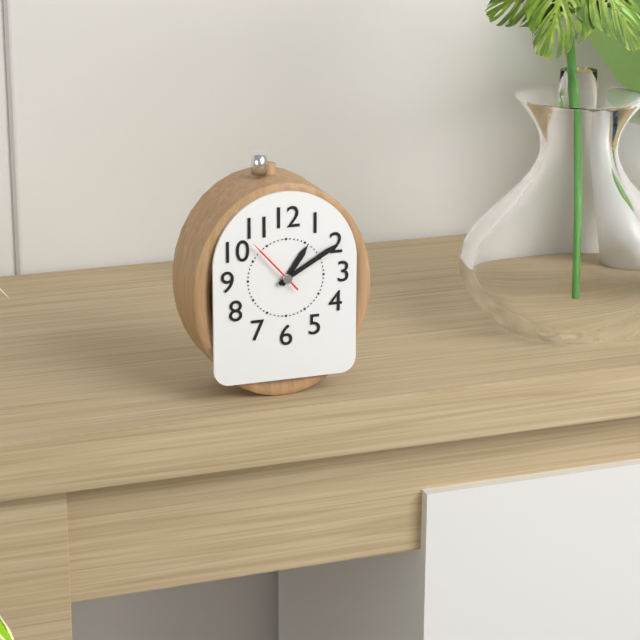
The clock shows 1.10.53
